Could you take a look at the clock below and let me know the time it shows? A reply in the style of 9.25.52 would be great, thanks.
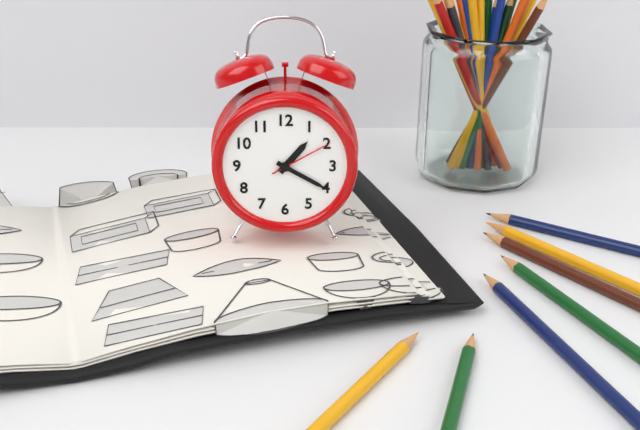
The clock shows 1.20.10
